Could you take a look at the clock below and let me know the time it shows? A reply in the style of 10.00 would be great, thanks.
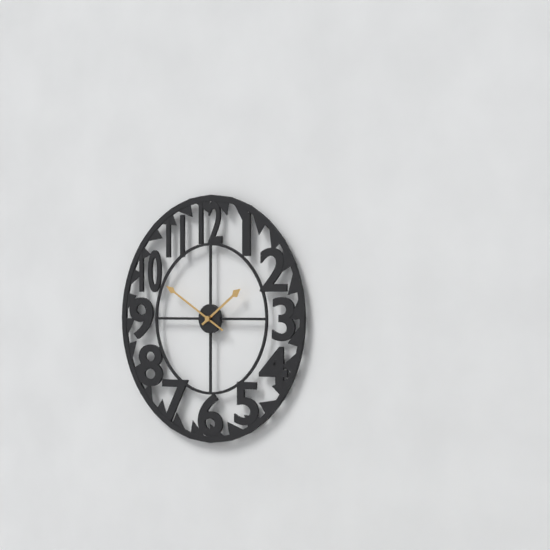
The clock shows 1.50
